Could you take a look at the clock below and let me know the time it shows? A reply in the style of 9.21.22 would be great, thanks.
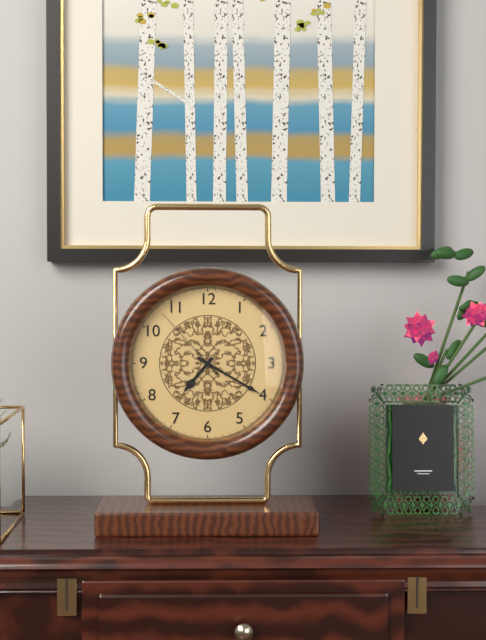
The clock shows 7.20.53
